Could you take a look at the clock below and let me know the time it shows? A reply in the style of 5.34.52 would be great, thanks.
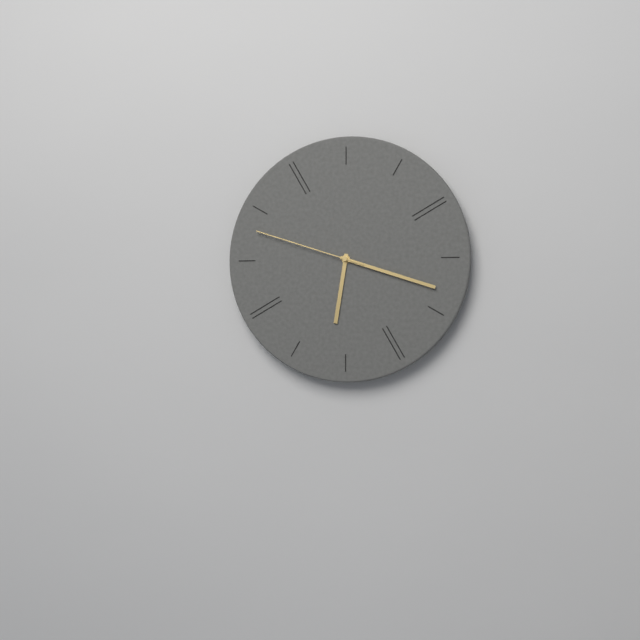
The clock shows 6.18.48
